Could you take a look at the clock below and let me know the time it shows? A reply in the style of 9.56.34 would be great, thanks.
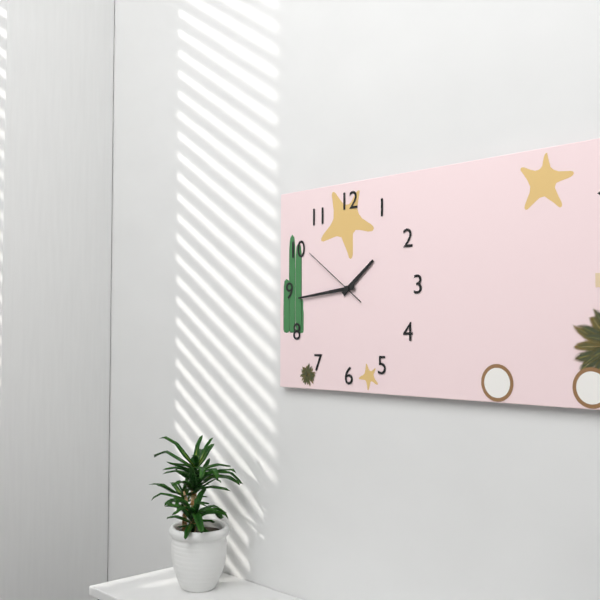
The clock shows 1.44.51
